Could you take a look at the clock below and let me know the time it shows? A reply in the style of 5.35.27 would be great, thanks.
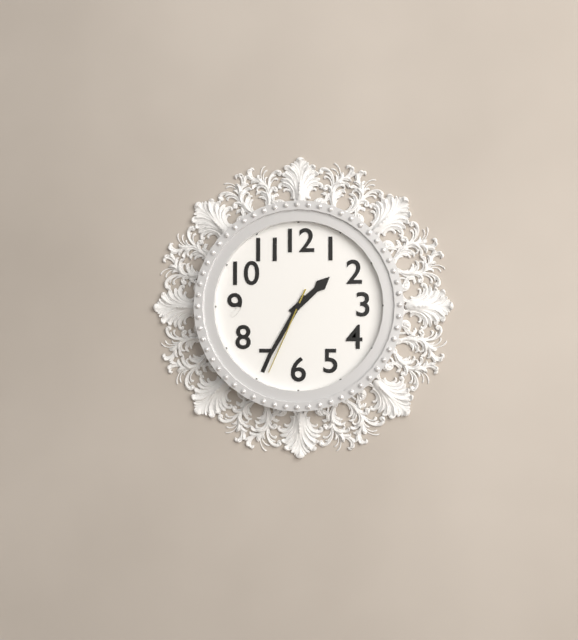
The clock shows 1.35.34
